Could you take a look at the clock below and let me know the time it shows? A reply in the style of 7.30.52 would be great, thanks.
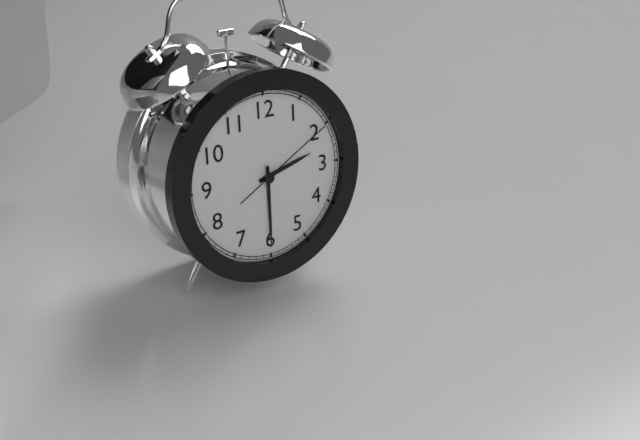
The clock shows 2.30.10
